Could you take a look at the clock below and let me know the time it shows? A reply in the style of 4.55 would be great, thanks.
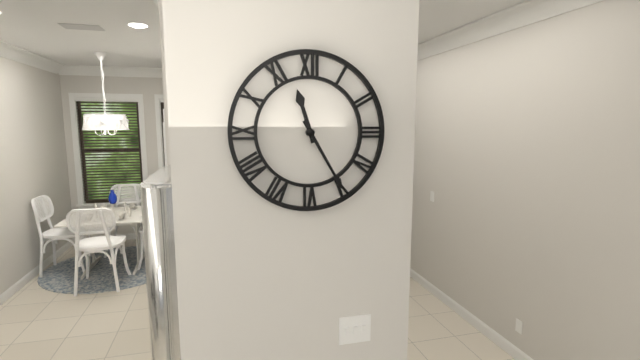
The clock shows 11.25
